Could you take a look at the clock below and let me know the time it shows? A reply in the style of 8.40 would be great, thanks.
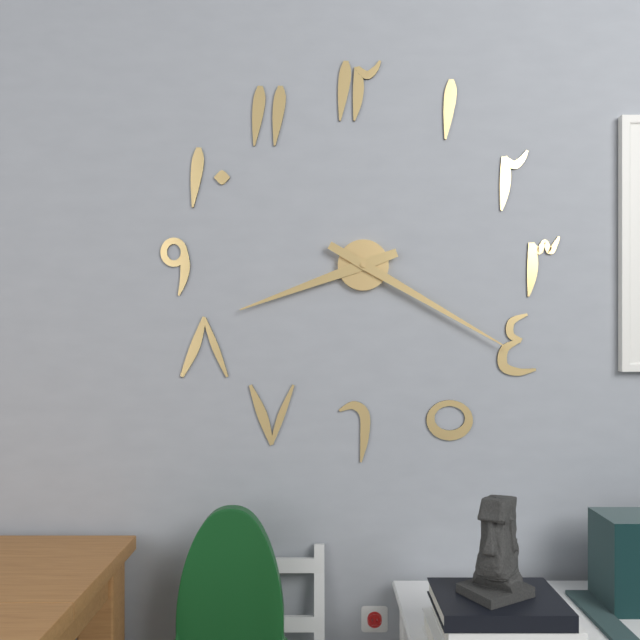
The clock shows 8.20
